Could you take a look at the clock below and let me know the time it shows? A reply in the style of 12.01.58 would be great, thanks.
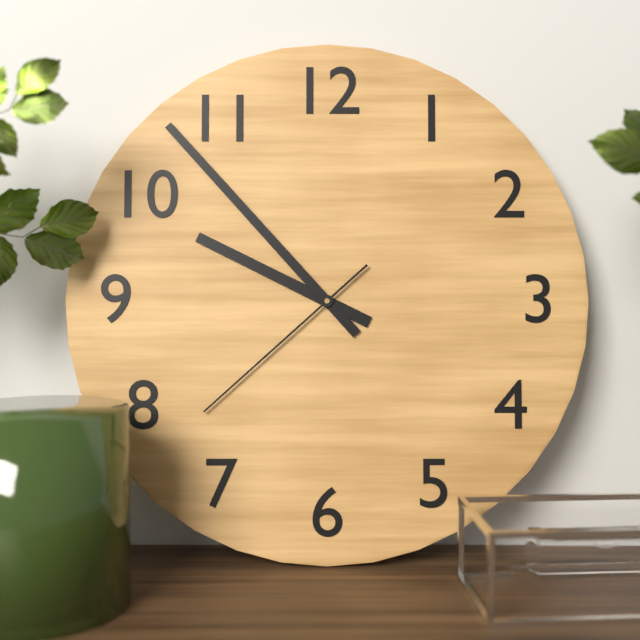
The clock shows 9.53.38
